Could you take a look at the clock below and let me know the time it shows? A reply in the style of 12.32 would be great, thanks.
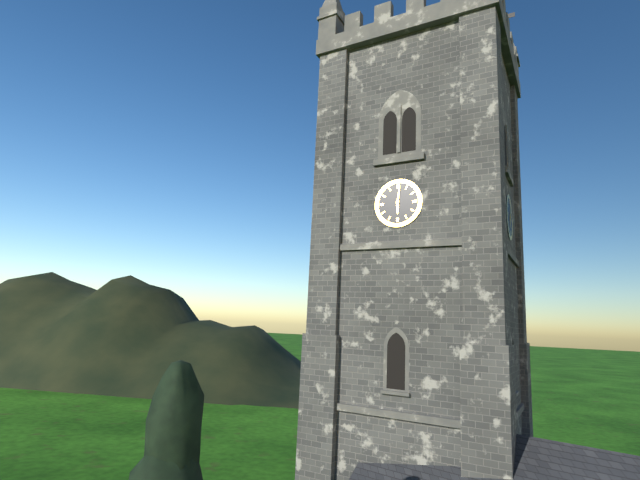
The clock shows 6.01
